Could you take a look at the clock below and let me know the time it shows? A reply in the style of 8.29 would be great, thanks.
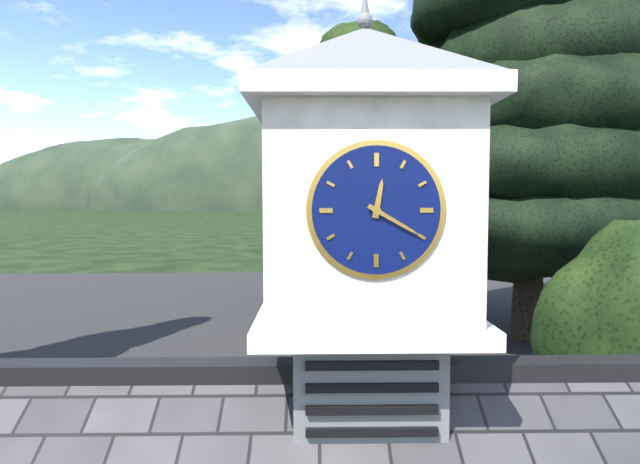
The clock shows 12.20
